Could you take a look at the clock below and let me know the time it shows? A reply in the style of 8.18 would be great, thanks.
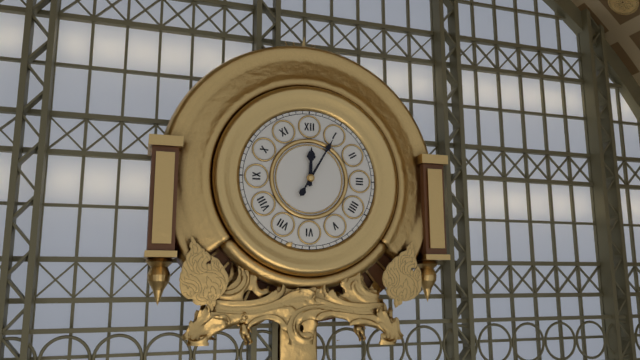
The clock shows 12.05
